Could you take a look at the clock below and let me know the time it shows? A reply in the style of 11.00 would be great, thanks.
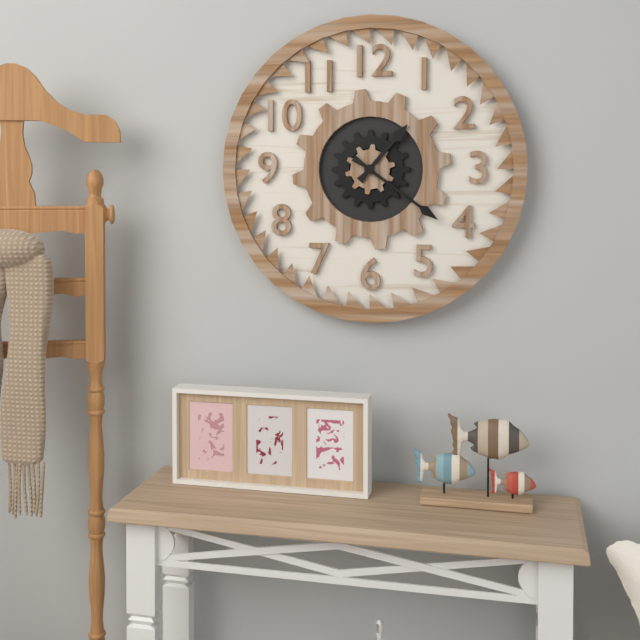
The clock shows 1.21
